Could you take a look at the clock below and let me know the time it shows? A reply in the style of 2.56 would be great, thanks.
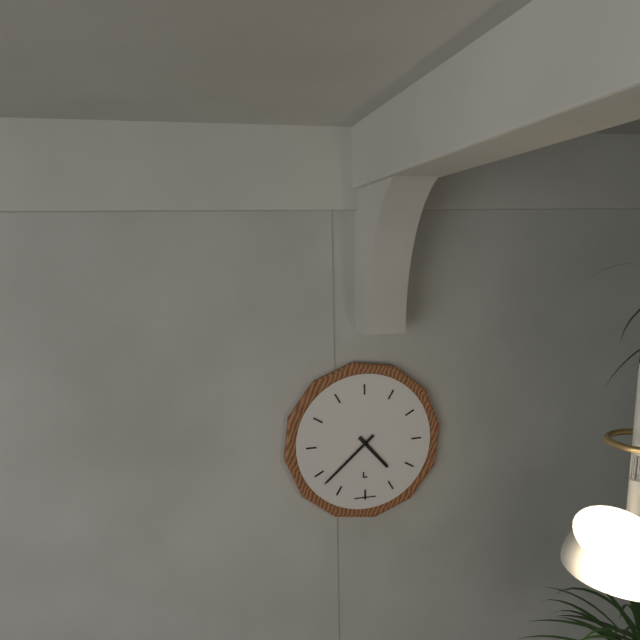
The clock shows 4.38
